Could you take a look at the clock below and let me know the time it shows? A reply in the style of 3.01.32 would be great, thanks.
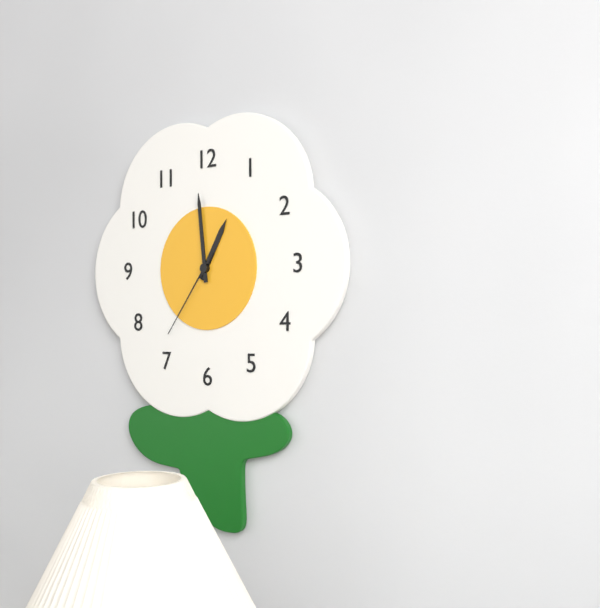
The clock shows 12.59.36
